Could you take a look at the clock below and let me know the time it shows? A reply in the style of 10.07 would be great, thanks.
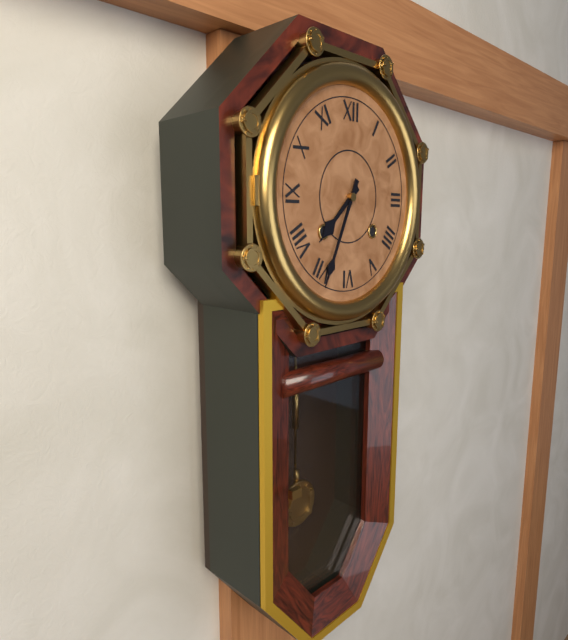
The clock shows 7.34
